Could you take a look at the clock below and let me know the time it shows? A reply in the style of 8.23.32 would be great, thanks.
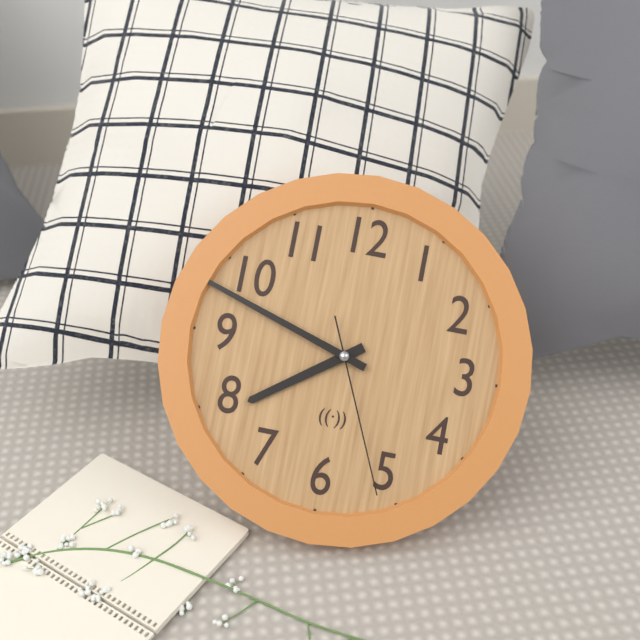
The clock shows 7.48.26
